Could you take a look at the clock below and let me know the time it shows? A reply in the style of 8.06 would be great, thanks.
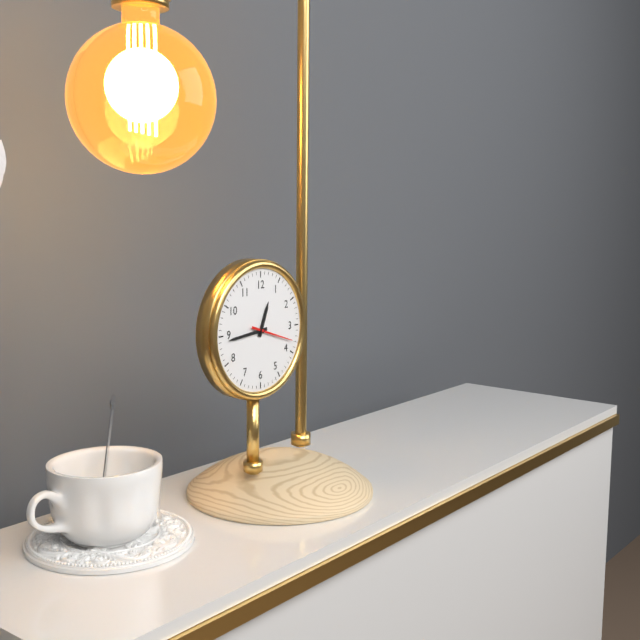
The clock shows 12.44
